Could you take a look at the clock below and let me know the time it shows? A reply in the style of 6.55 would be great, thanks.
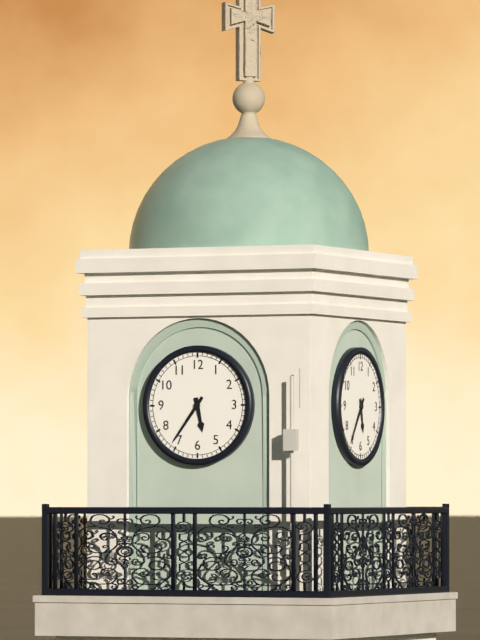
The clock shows 5.36
